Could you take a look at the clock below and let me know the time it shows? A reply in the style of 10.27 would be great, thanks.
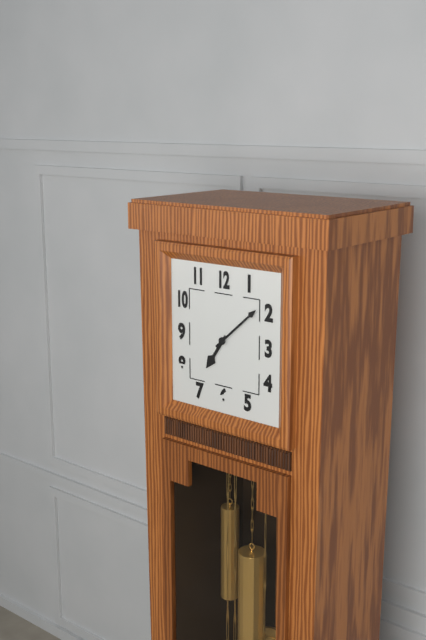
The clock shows 7.08
